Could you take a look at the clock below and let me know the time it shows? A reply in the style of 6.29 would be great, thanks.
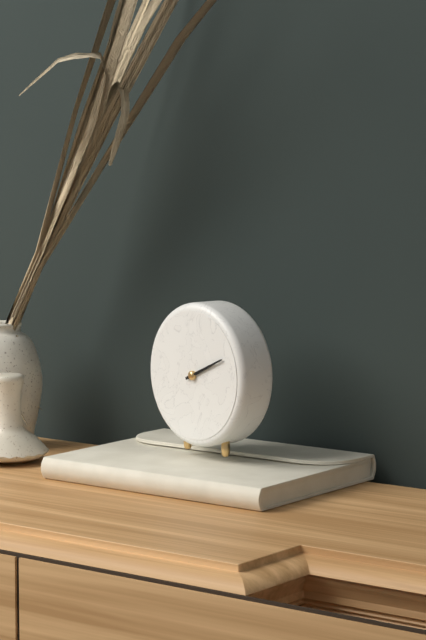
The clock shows 2.11
